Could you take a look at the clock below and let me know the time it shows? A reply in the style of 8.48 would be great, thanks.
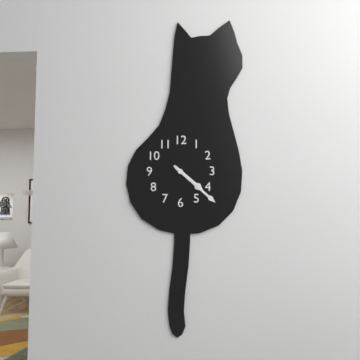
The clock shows 4.22
